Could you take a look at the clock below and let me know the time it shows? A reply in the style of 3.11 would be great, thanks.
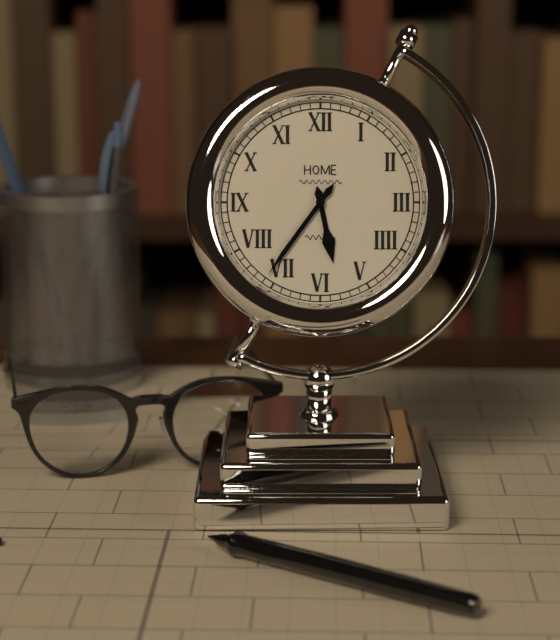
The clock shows 5.36
